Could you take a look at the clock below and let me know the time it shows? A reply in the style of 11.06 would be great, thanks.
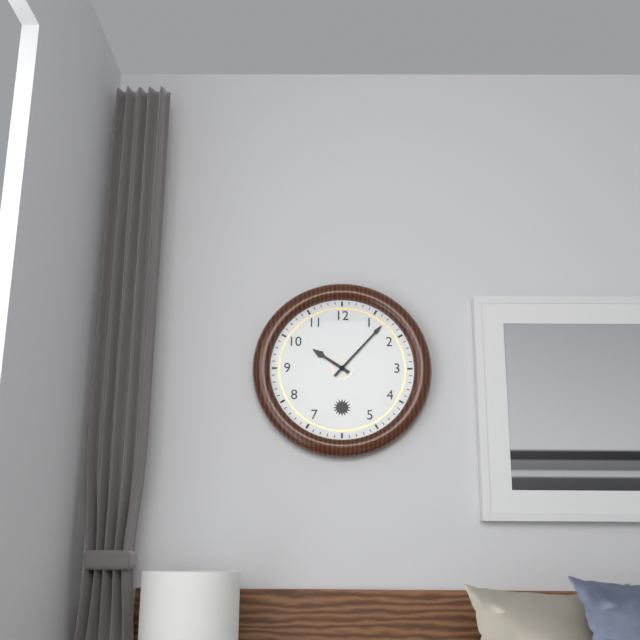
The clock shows 10.07
